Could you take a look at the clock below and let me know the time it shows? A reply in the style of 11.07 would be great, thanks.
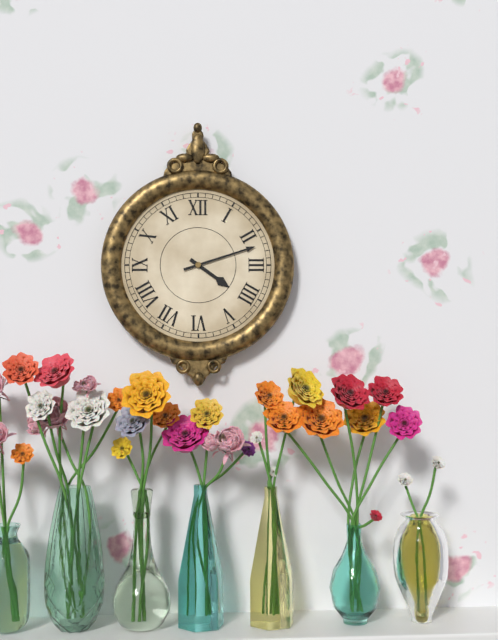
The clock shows 4.12
